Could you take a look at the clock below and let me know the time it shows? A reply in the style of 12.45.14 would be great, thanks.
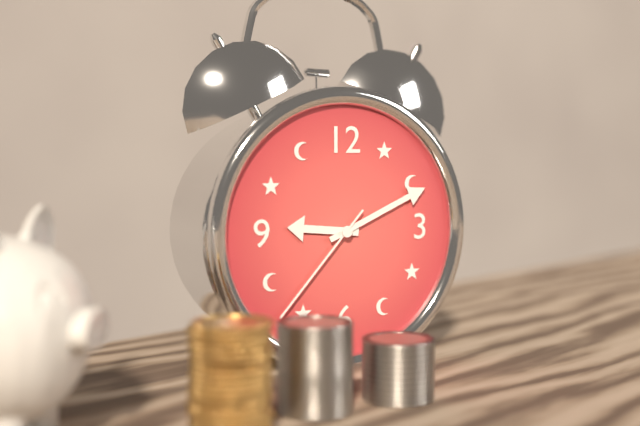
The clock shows 9.11.37
